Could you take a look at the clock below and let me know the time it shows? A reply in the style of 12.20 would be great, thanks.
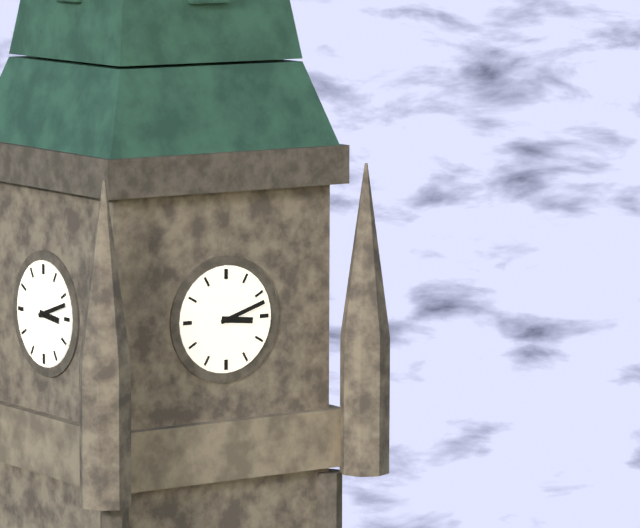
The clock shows 3.12
